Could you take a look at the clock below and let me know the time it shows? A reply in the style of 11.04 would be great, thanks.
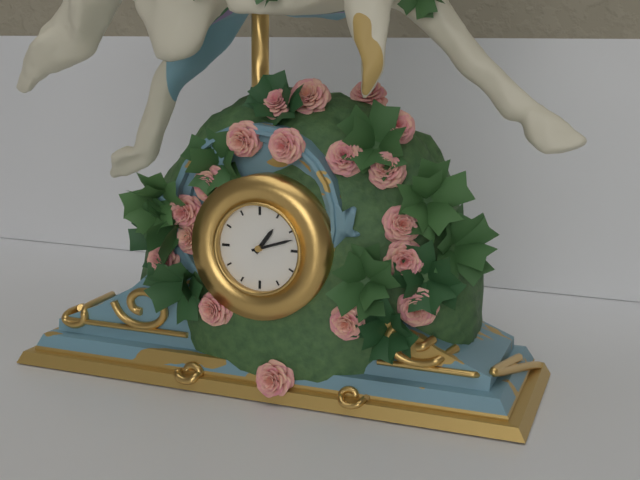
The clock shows 1.12
